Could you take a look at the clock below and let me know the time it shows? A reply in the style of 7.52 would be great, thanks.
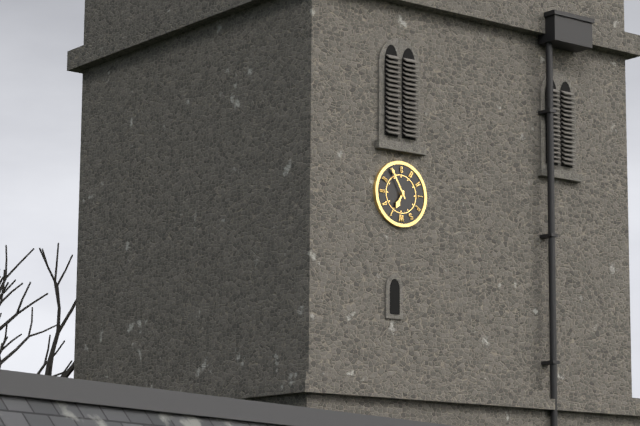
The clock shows 6.55
